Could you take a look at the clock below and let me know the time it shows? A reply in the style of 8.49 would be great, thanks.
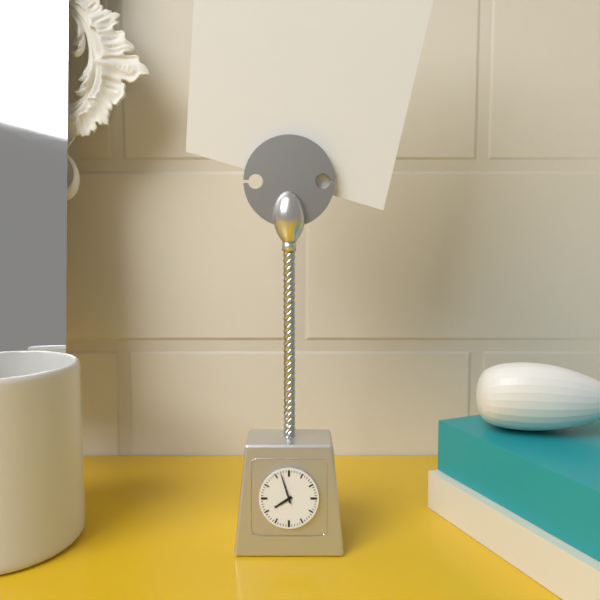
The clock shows 7.57
